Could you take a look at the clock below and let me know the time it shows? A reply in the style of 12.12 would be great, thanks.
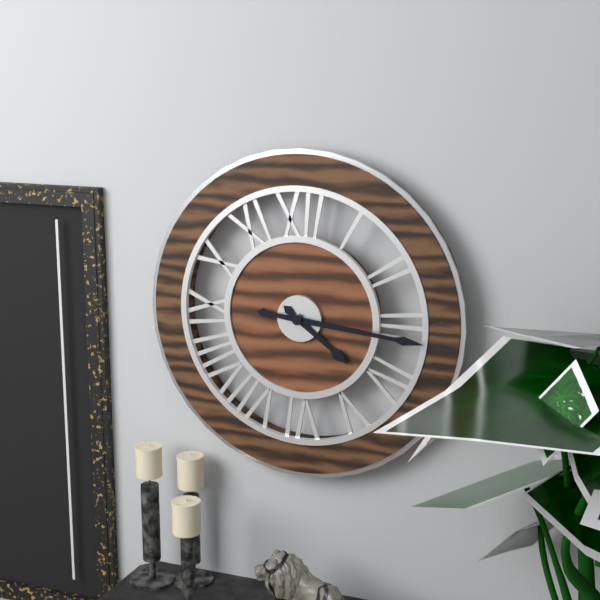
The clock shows 4.16
